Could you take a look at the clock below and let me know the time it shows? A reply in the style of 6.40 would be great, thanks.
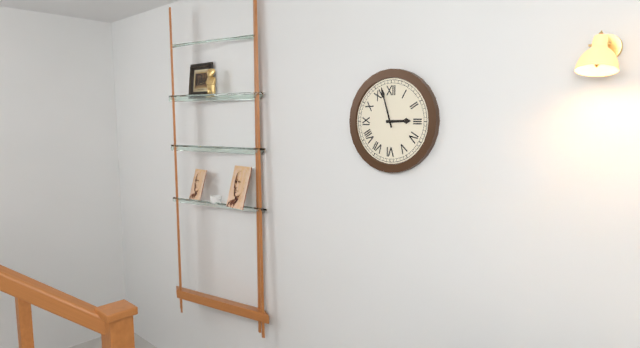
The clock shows 2.57
